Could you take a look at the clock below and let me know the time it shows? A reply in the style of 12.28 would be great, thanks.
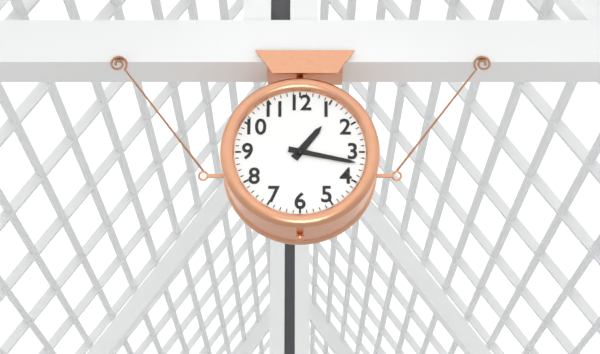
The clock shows 1.17
